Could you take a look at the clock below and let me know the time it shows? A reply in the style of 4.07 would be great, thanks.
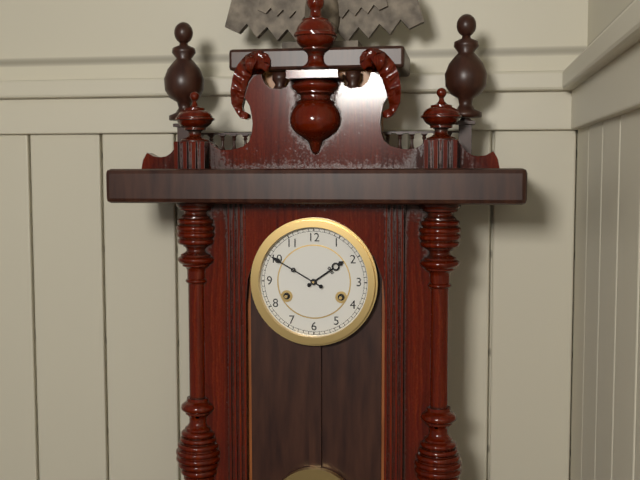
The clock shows 1.50
